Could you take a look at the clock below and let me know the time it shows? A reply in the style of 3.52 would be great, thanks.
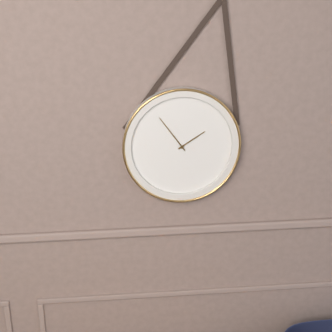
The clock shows 1.54
